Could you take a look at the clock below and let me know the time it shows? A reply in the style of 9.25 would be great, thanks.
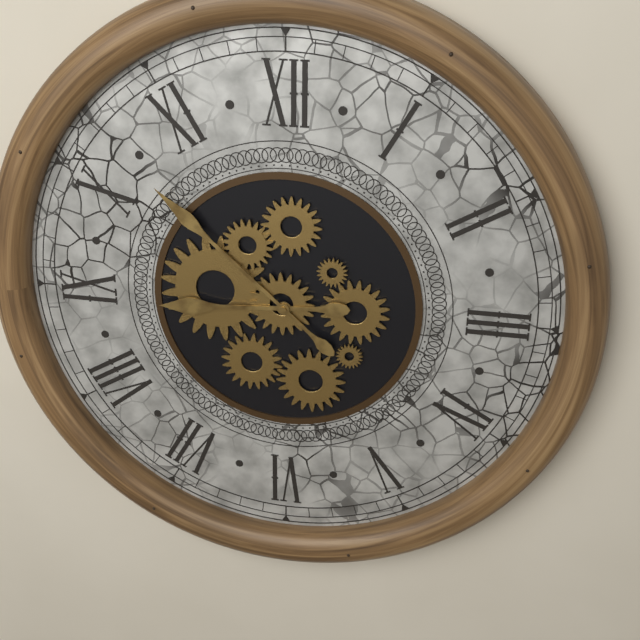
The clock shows 8.52
